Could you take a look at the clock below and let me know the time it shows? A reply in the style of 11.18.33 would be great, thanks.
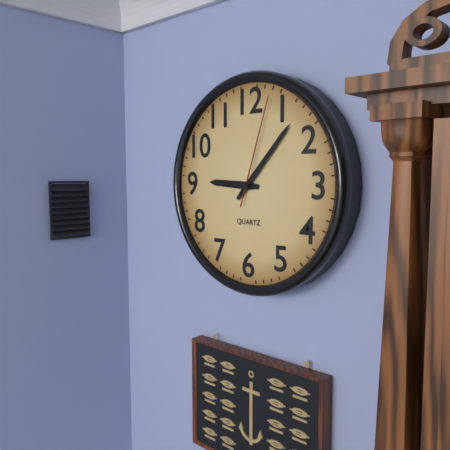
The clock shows 9.07.03
